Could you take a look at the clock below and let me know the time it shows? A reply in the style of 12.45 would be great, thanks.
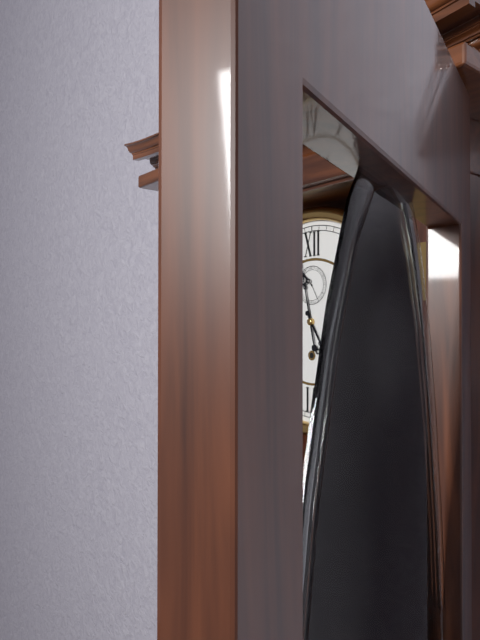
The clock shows 4.58
